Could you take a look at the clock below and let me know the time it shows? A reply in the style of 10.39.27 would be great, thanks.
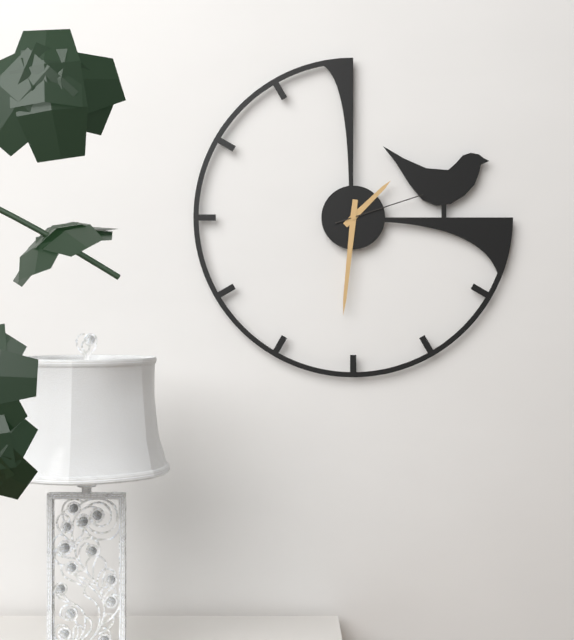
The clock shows 1.31.12
